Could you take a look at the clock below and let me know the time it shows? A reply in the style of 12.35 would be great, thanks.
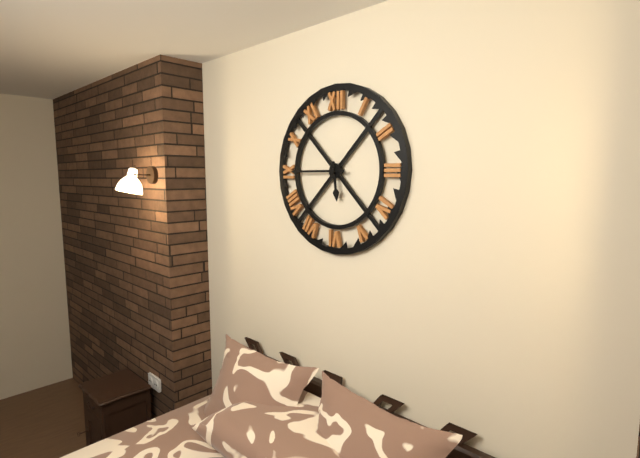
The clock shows 5.45
